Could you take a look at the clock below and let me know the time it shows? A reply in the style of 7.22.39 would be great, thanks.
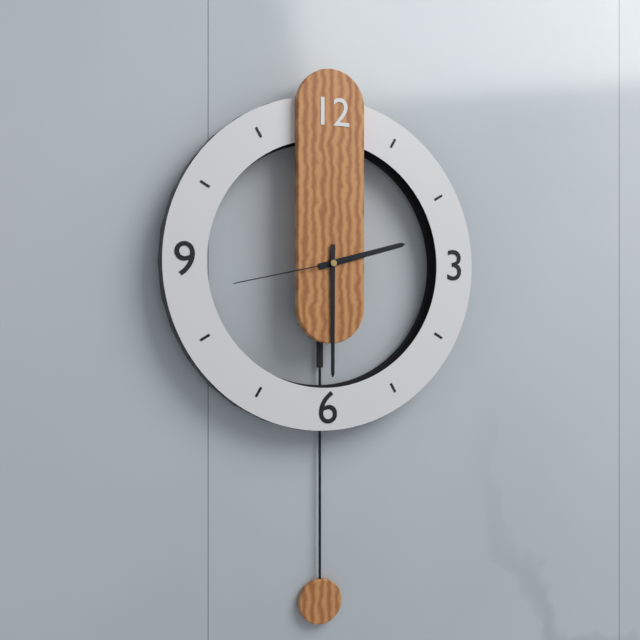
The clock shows 2.30.43
